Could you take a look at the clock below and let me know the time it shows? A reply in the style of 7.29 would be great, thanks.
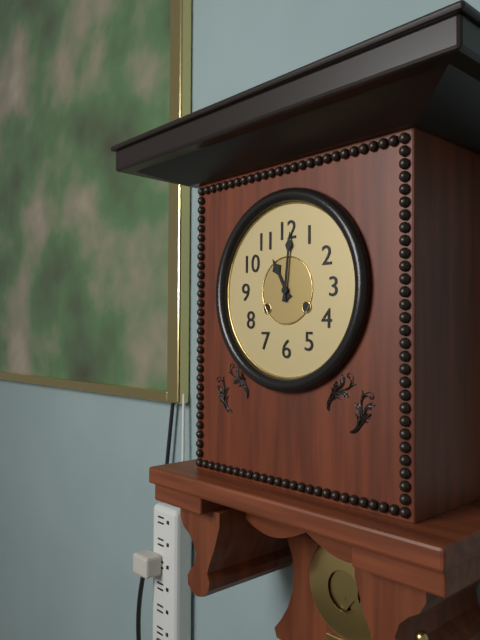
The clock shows 11.01
